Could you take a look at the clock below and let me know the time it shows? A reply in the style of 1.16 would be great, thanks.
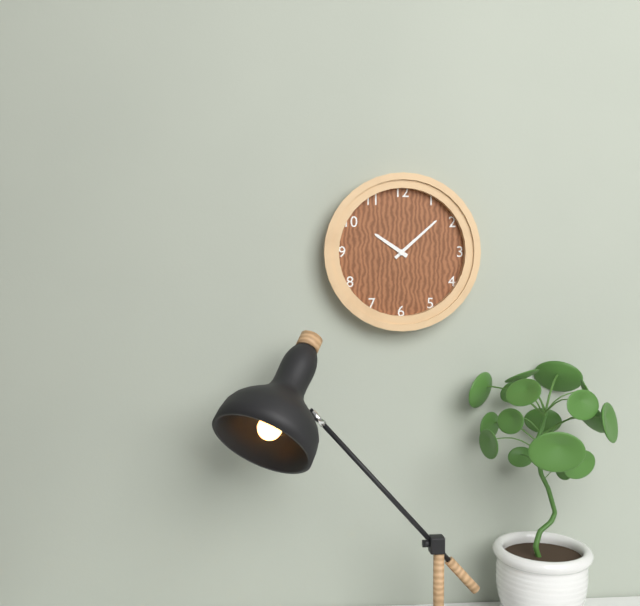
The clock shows 10.08
